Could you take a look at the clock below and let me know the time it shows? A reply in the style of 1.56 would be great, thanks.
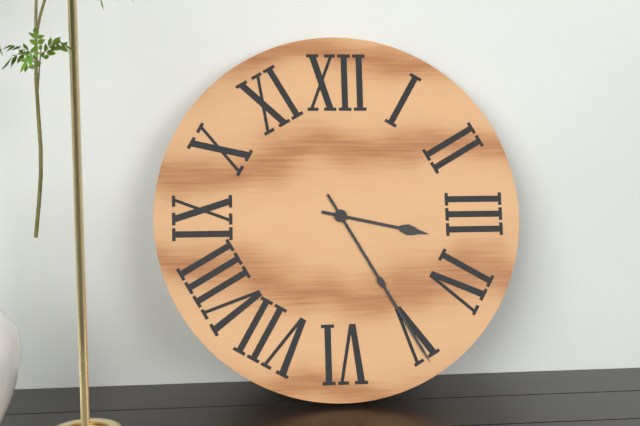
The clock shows 3.25
